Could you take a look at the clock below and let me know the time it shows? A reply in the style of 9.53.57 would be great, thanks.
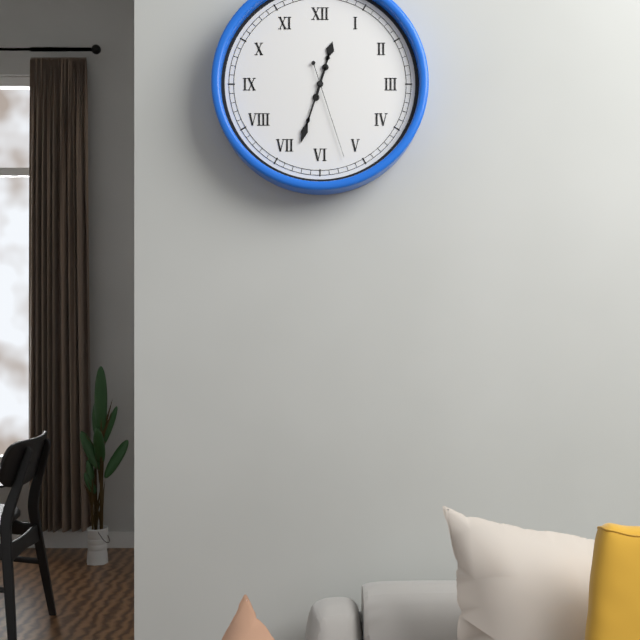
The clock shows 12.33.27
